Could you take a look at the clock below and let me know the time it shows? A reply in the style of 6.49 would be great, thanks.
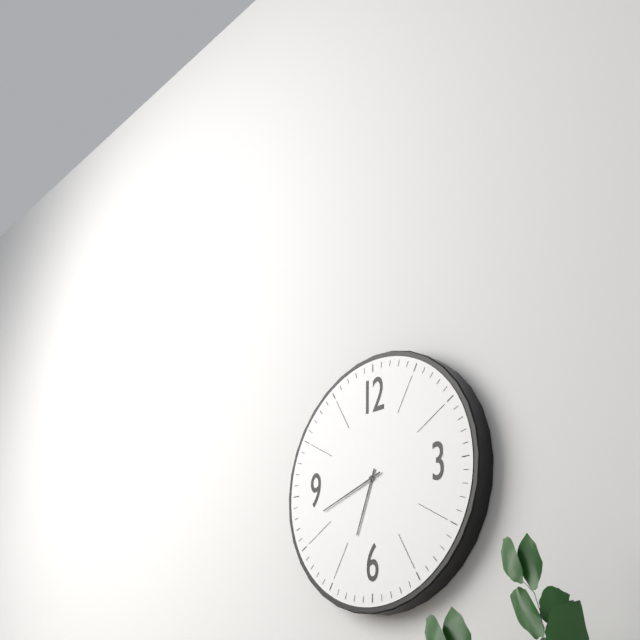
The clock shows 6.42
